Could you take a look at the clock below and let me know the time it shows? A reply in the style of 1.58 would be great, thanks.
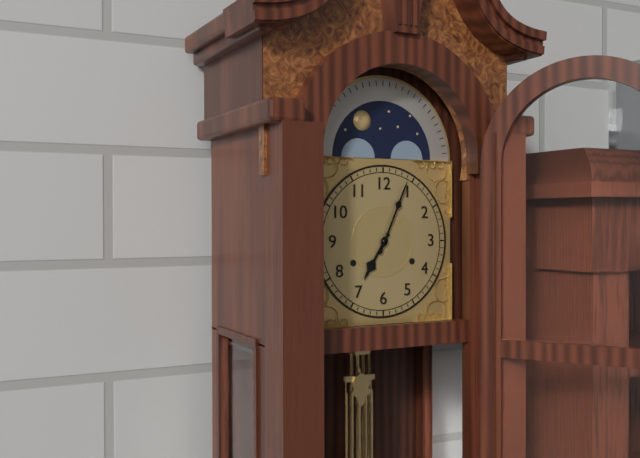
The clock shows 7.04
